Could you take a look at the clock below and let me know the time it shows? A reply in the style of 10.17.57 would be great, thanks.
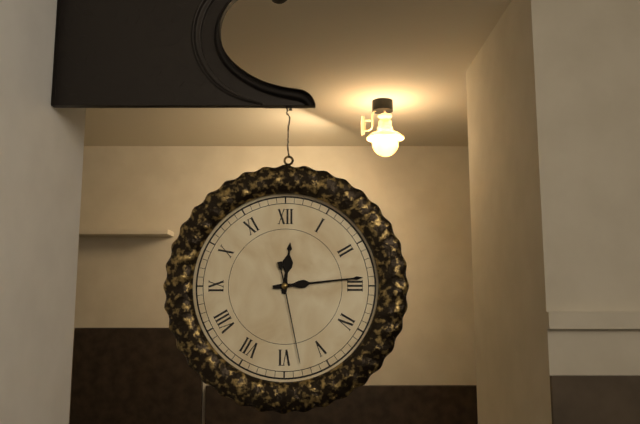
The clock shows 12.14.28
